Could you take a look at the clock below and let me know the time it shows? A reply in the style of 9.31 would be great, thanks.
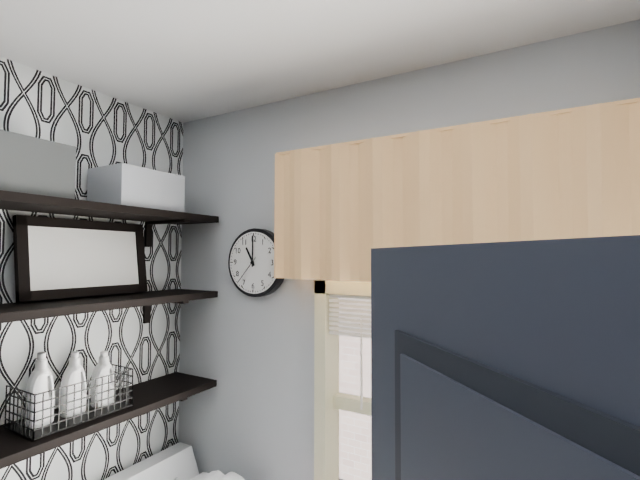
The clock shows 11.00
